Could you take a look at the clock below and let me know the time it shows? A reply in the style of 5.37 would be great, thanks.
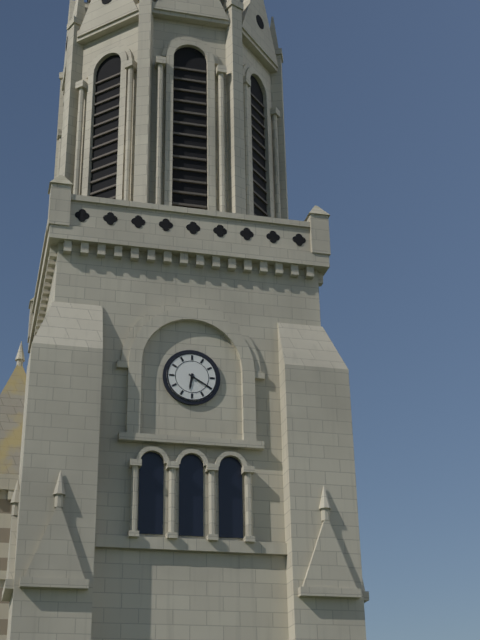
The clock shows 6.20
